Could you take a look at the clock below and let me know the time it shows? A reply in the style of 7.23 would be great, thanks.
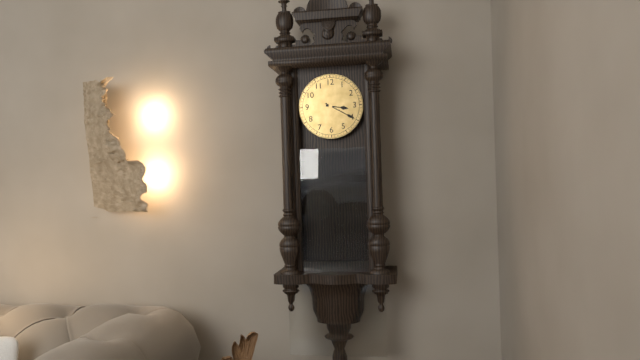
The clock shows 3.20
